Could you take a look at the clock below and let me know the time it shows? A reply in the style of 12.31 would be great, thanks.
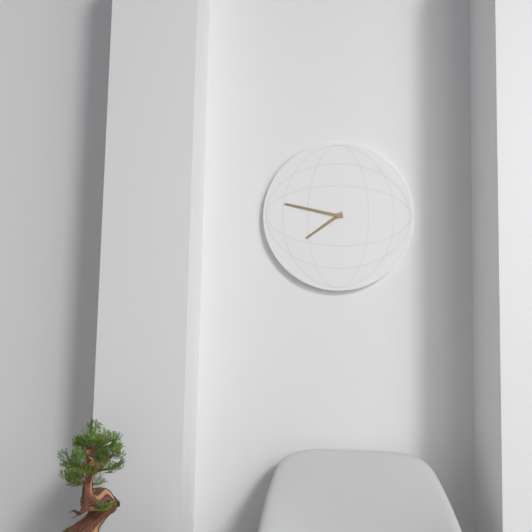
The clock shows 7.47
